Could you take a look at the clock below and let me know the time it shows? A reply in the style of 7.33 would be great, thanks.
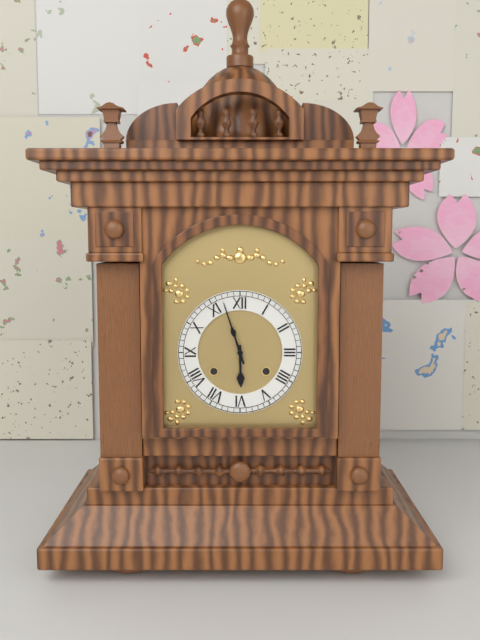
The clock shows 5.57
